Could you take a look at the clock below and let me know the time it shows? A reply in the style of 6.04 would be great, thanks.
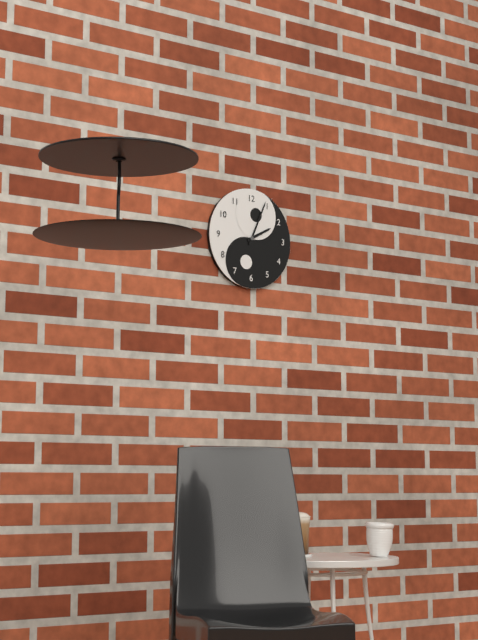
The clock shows 2.04
